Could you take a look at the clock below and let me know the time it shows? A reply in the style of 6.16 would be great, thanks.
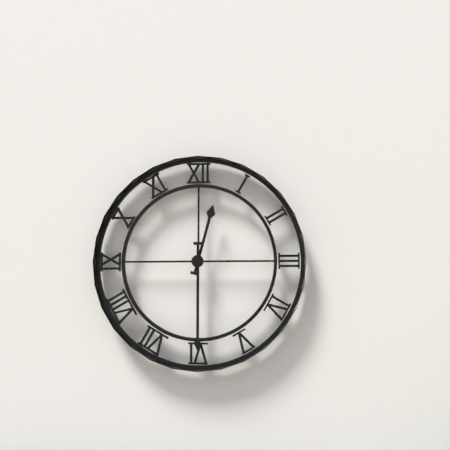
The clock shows 12.30
